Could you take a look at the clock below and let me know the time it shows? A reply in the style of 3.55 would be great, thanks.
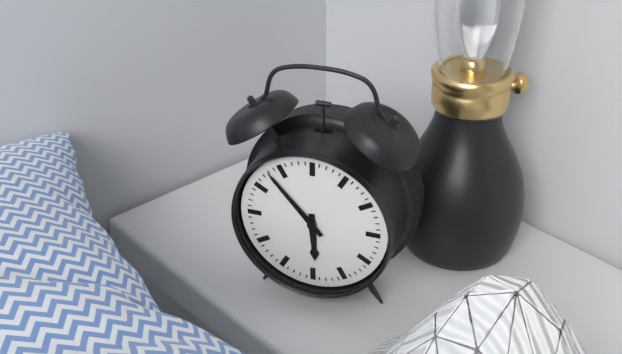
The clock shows 5.53
